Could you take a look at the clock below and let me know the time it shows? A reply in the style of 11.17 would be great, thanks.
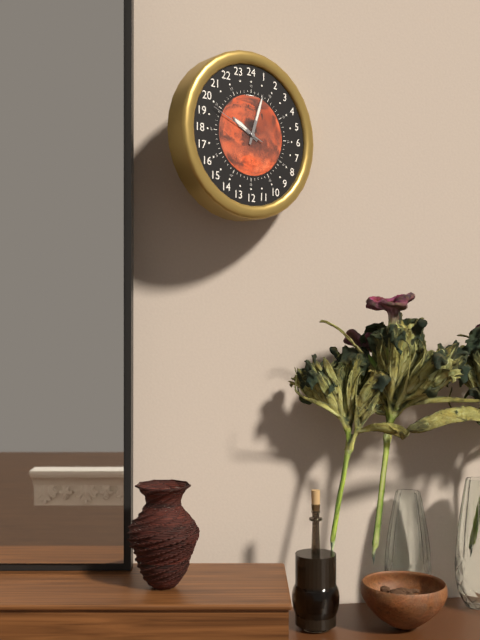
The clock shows 10.03
